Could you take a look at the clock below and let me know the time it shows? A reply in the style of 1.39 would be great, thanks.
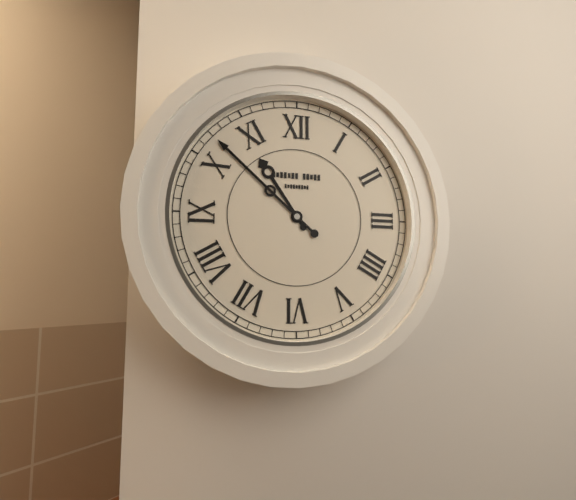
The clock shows 10.52
